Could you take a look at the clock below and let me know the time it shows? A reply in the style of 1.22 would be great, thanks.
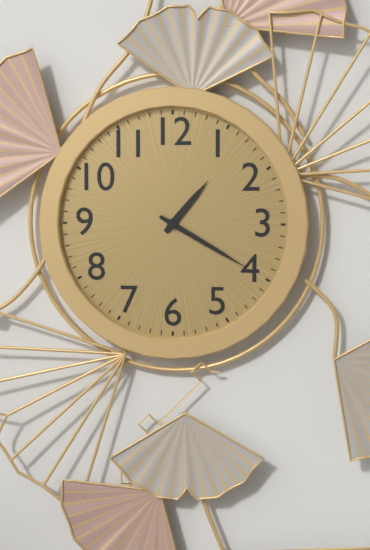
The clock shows 1.20
